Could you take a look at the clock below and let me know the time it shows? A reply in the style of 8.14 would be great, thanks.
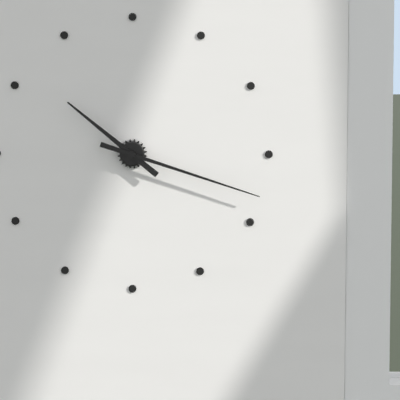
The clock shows 10.18
